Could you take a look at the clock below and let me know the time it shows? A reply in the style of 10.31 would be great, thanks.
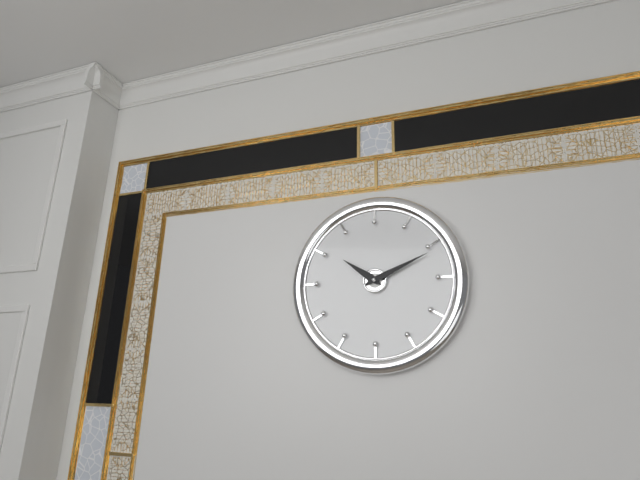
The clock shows 10.11
